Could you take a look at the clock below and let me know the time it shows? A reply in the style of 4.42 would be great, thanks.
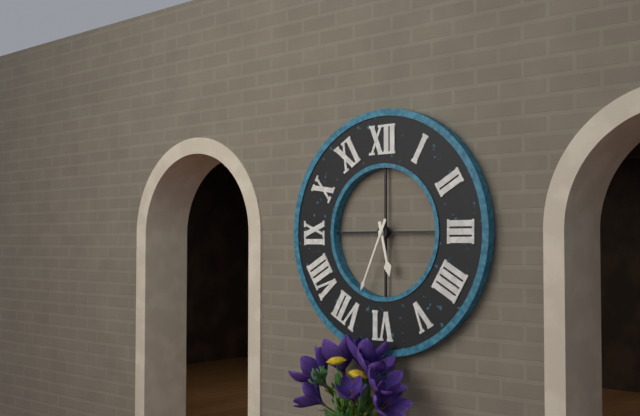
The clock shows 5.34
